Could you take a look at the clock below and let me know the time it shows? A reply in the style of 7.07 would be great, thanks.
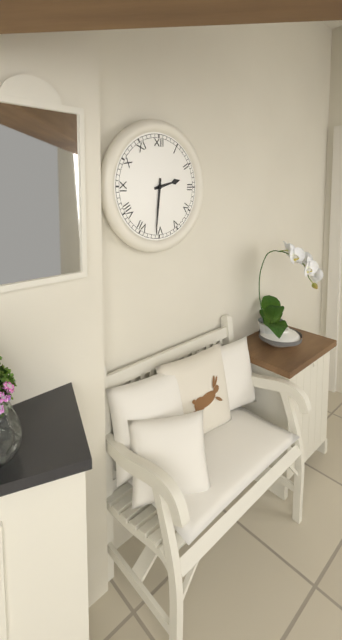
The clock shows 2.31
